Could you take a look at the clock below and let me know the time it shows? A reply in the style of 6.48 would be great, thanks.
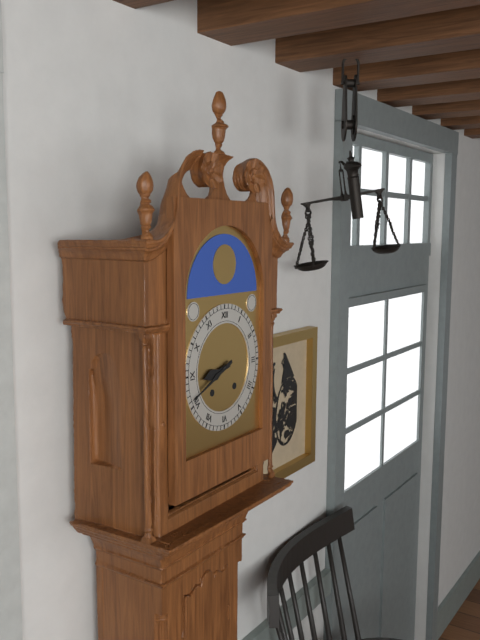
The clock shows 8.41
